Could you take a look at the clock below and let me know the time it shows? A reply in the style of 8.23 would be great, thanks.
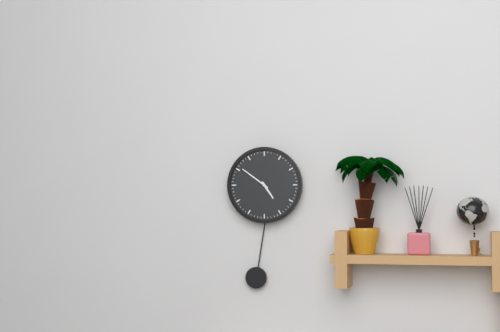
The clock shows 4.51
